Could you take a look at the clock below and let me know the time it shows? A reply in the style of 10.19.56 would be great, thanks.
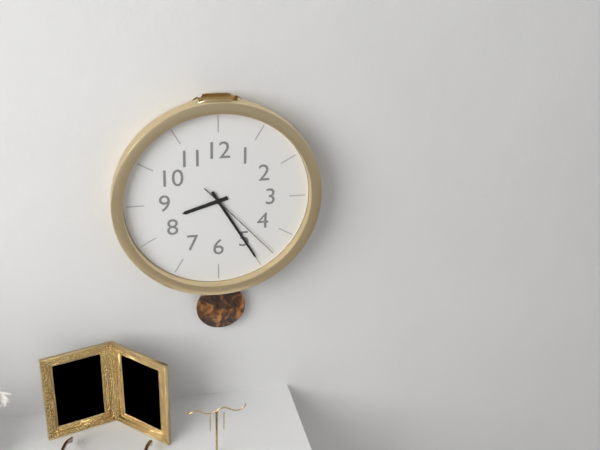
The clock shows 8.25.23
